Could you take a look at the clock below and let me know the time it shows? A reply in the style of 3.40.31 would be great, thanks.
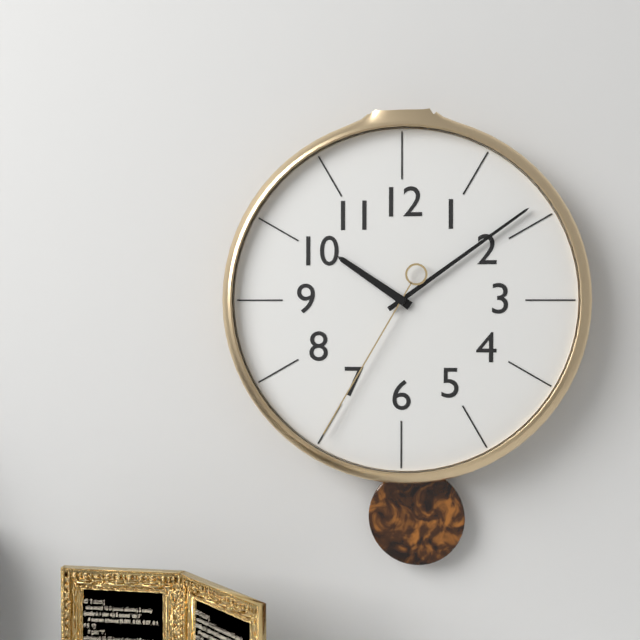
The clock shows 10.09.35
